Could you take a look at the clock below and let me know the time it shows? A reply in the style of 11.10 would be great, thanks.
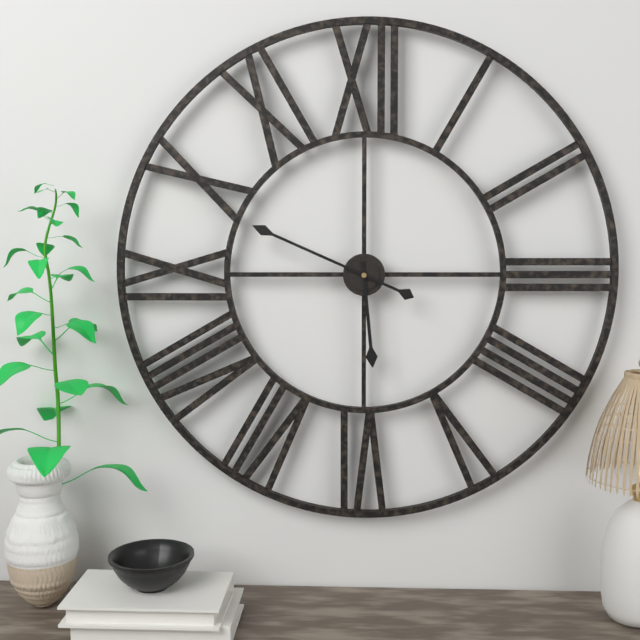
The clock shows 5.49
